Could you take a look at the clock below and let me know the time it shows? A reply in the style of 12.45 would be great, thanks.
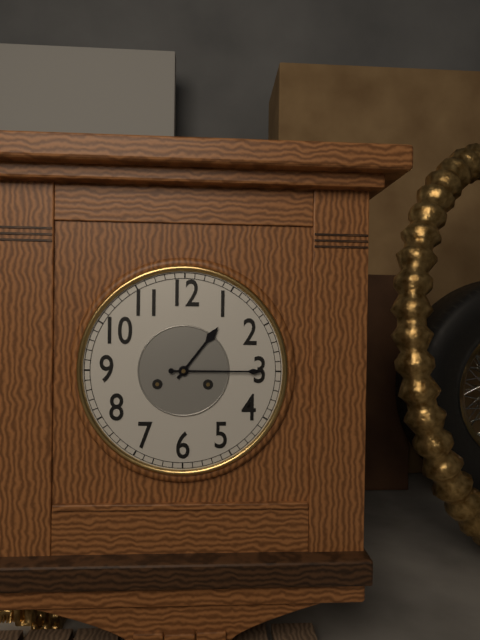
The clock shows 1.15
